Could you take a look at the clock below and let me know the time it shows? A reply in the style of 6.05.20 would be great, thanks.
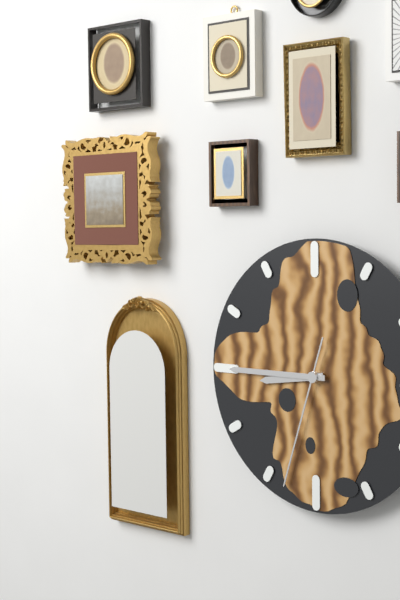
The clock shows 8.45.33
